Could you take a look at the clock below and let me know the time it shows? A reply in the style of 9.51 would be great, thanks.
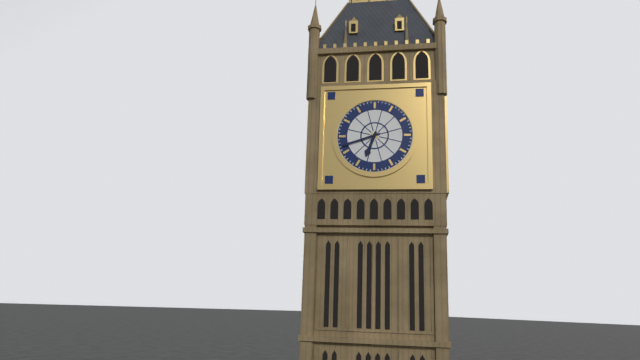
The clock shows 6.42
